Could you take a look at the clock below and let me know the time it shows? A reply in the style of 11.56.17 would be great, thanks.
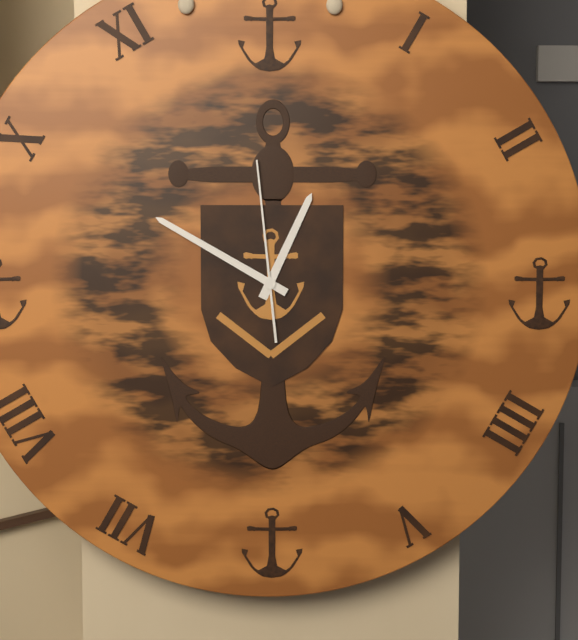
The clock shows 12.50.59
